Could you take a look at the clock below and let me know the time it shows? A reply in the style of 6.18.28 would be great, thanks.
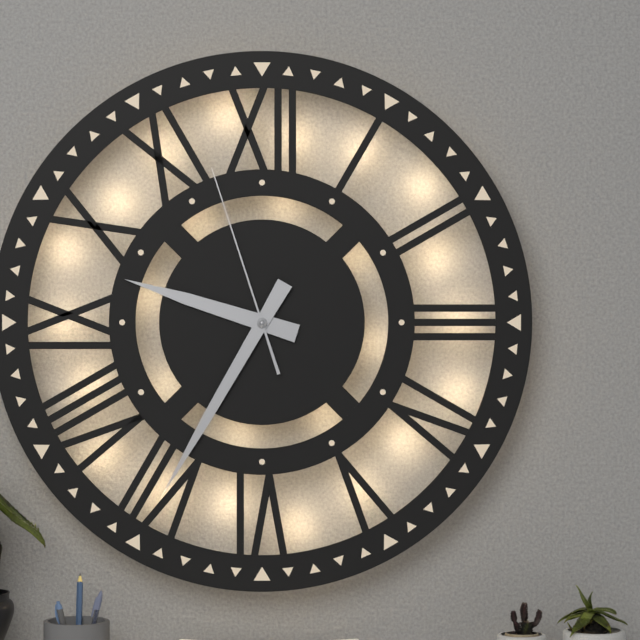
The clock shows 9.35.57
